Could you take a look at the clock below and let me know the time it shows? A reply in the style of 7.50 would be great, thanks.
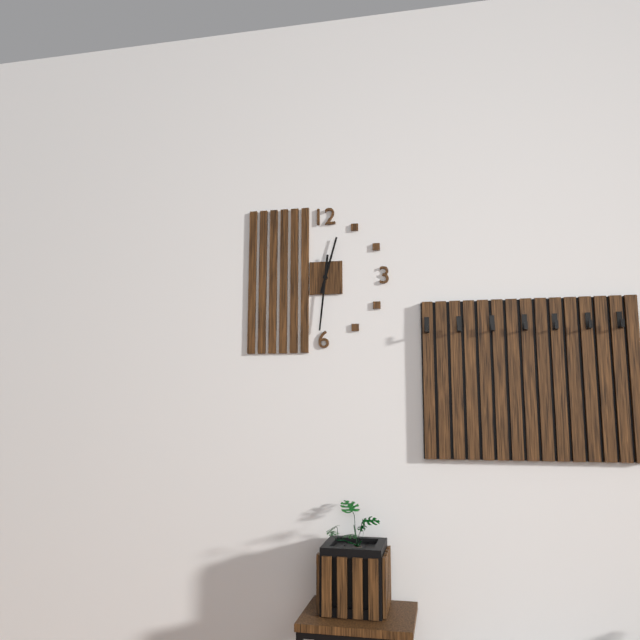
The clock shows 12.31
